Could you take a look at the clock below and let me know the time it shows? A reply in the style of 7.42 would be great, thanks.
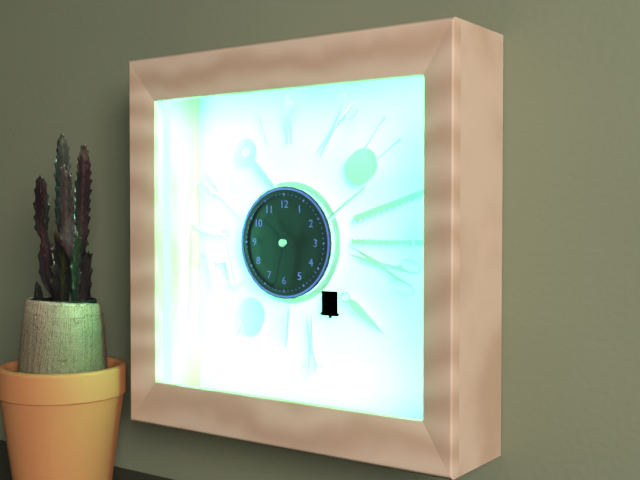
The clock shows 10.32
